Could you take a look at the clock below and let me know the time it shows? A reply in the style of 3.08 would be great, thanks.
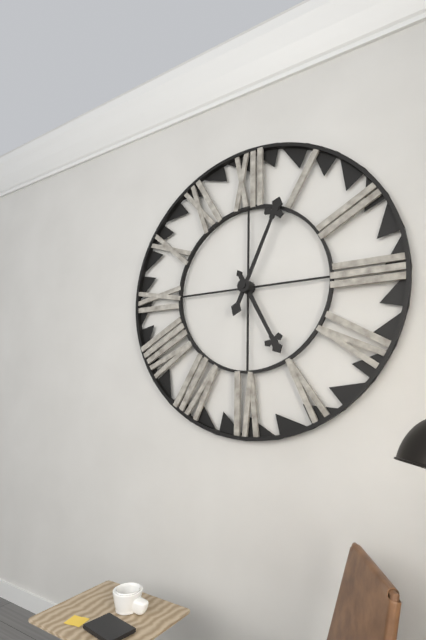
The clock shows 5.04
